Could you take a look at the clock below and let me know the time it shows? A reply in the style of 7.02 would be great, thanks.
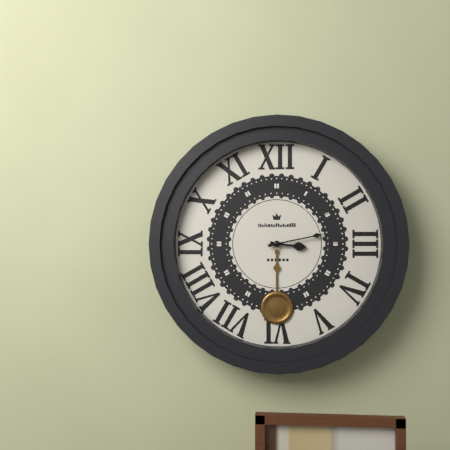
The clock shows 3.13
